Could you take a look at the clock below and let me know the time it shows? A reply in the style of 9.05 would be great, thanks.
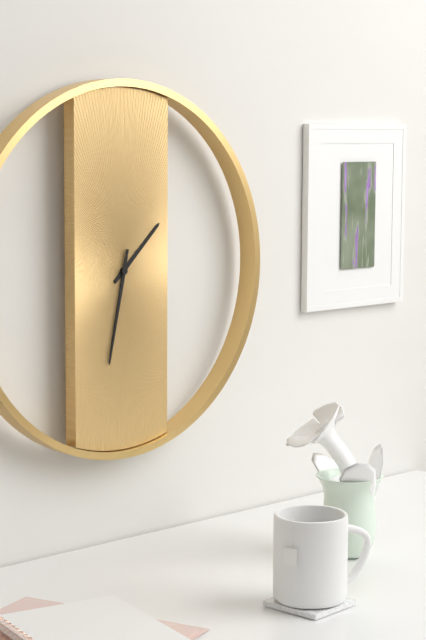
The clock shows 1.32
